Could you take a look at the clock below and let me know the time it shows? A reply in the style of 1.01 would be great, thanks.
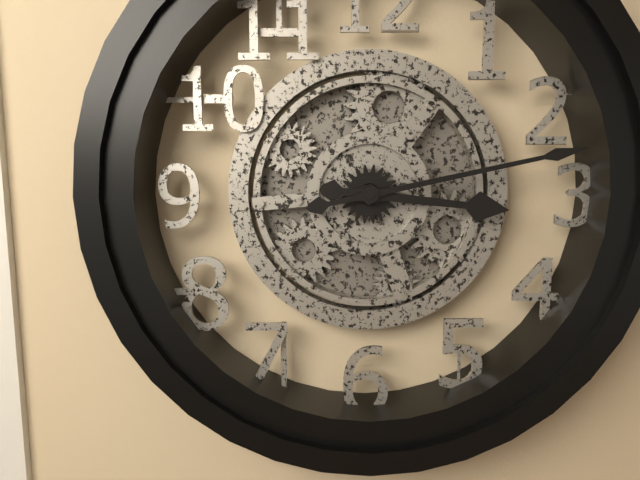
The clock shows 3.13
